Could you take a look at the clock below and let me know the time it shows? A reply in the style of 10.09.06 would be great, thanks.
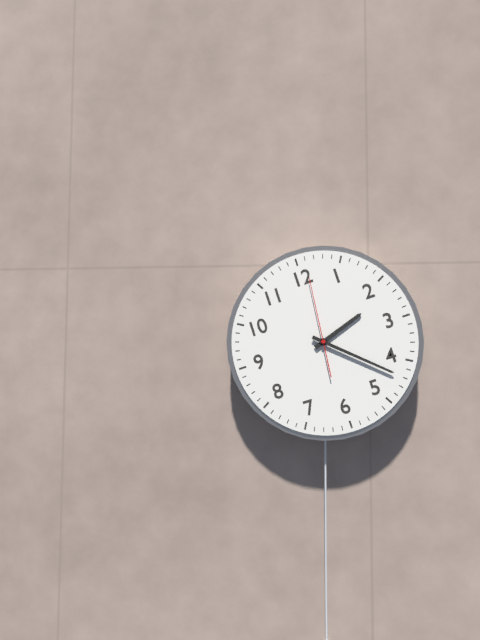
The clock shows 2.22.01
